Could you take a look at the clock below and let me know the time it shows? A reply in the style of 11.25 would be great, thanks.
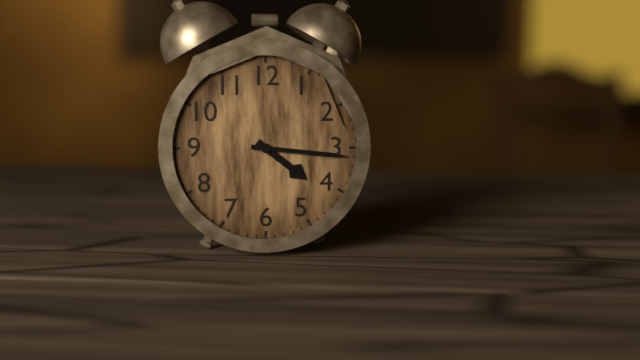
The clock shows 4.16
